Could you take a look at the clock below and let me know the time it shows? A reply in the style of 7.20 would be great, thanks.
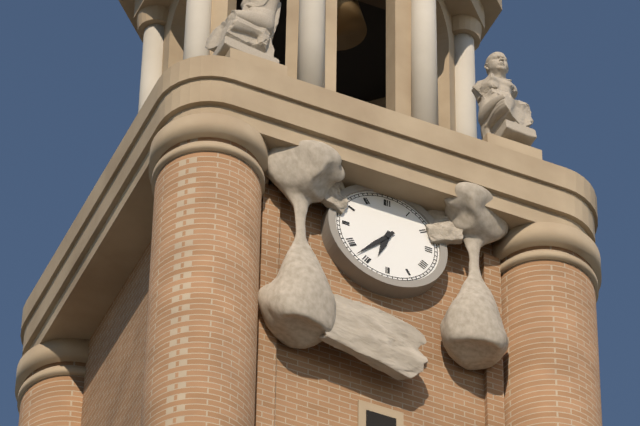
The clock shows 6.37
